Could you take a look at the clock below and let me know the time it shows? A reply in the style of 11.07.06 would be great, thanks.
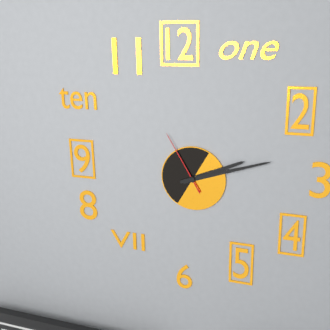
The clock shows 2.12.55
